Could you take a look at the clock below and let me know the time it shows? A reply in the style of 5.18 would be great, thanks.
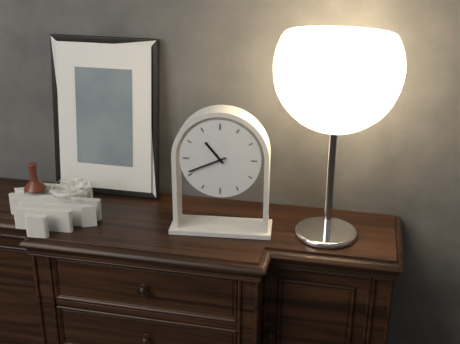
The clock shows 10.41
